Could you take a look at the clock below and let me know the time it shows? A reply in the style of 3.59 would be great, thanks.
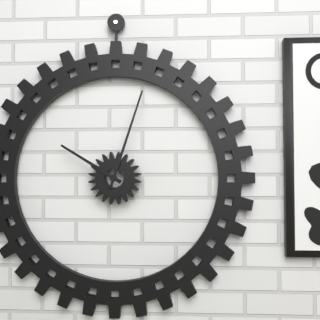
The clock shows 10.03
